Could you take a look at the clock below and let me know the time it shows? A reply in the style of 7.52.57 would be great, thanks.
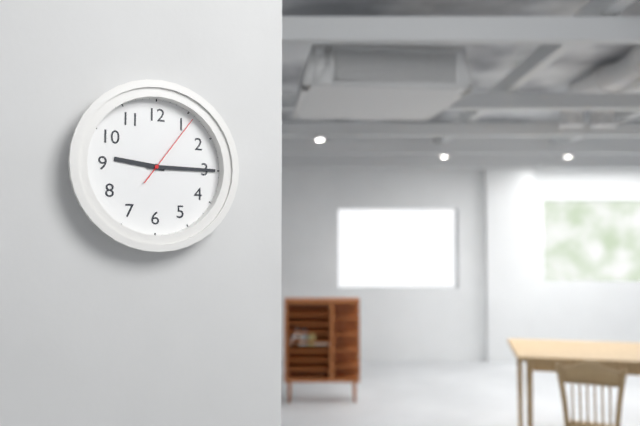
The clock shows 9.15.06
